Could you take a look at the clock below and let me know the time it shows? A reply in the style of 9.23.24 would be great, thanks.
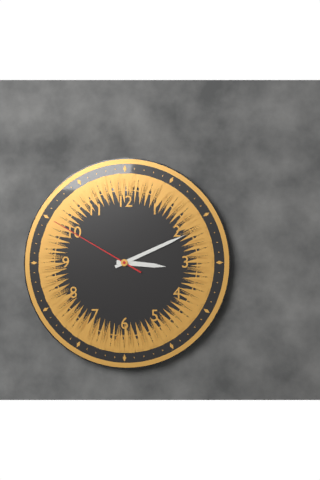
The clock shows 3.11.50
